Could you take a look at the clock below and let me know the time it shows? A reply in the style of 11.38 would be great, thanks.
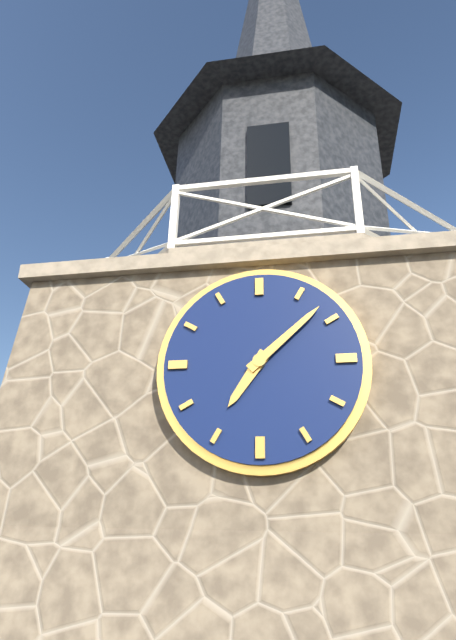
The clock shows 7.08
